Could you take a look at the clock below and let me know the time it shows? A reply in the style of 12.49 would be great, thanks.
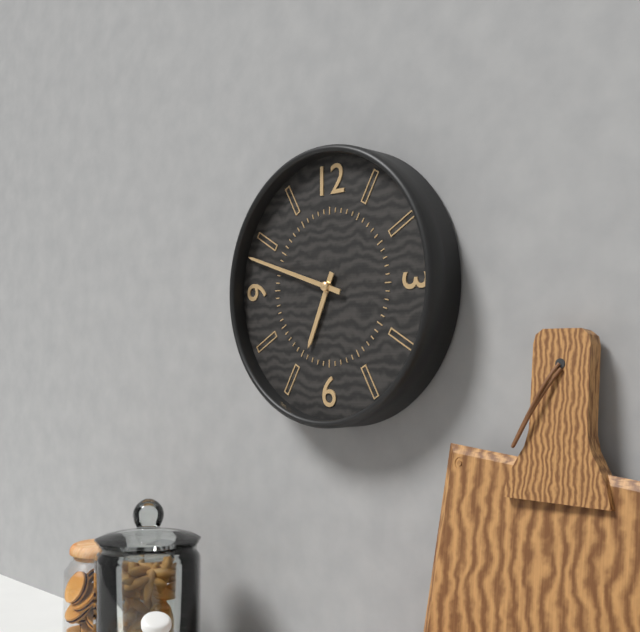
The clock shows 6.48
